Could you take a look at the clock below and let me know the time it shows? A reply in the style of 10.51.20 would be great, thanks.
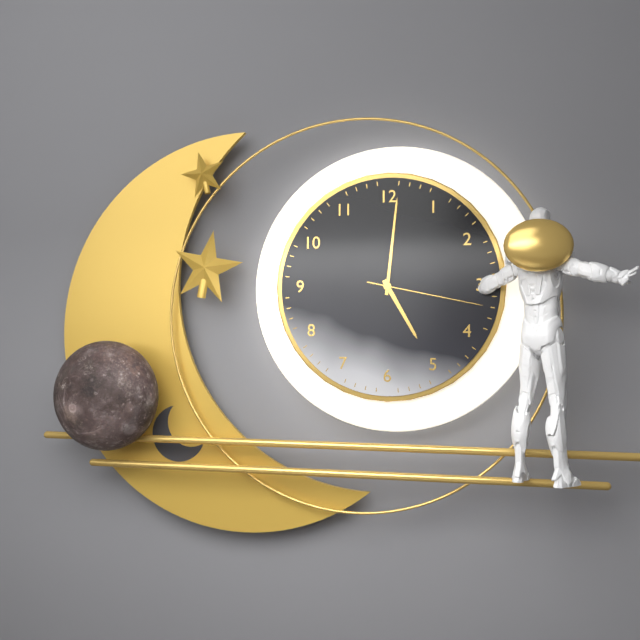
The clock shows 5.01.17
